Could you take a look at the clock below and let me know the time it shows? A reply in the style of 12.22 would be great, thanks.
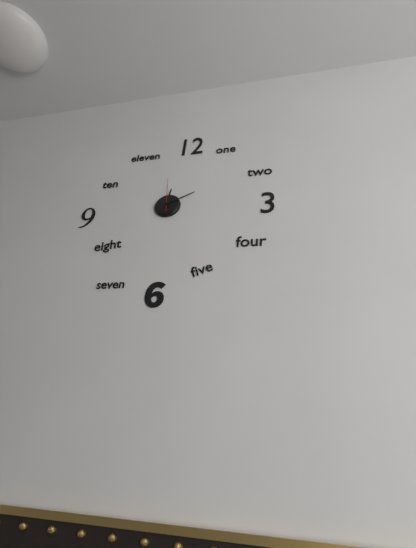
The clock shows 12.11
